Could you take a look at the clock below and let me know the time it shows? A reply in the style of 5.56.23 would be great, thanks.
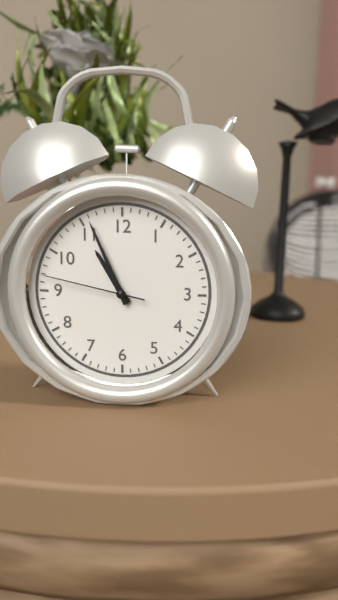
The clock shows 10.56.47
